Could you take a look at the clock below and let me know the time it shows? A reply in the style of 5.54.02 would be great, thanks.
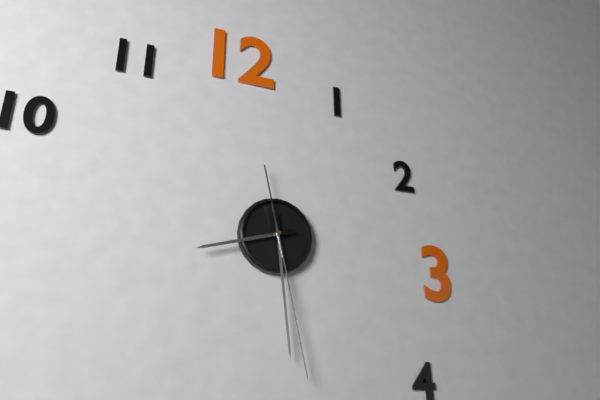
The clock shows 8.29.28
